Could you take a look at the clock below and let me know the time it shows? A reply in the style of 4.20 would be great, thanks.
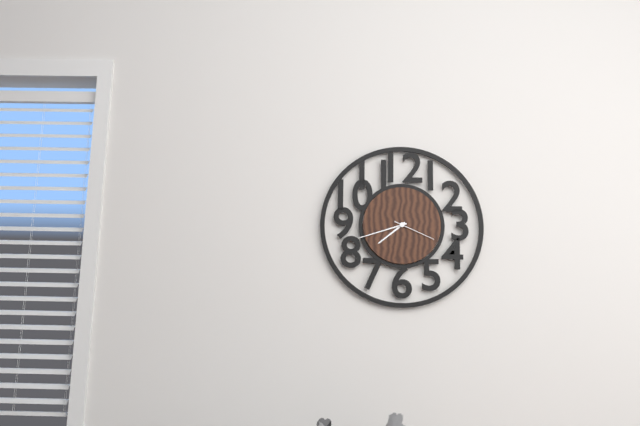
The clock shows 7.42
